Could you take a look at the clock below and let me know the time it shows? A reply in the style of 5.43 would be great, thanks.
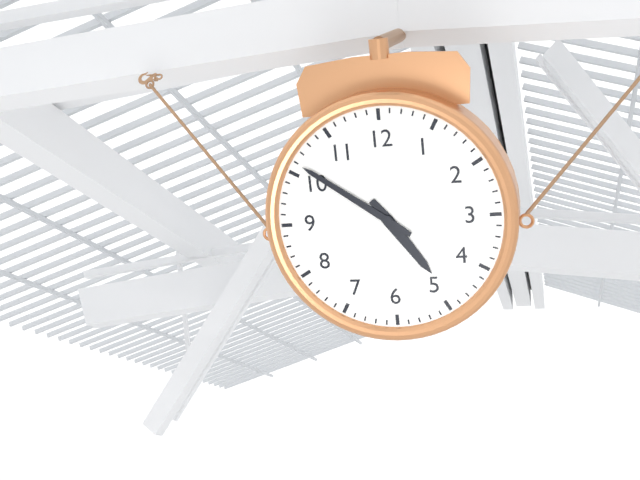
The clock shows 4.51
